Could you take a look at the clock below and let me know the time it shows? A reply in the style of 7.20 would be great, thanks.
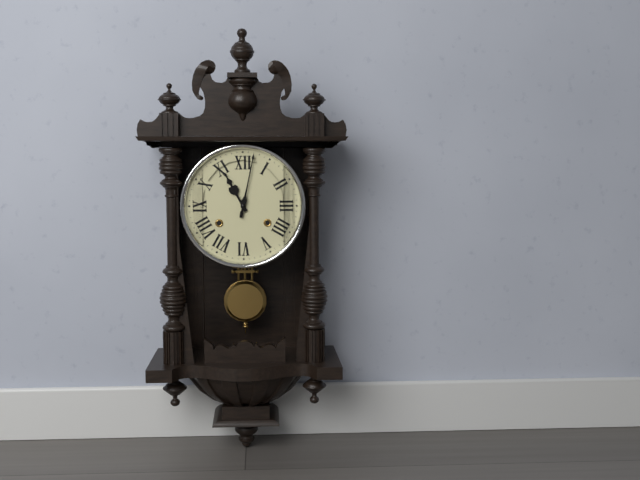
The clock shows 11.02
